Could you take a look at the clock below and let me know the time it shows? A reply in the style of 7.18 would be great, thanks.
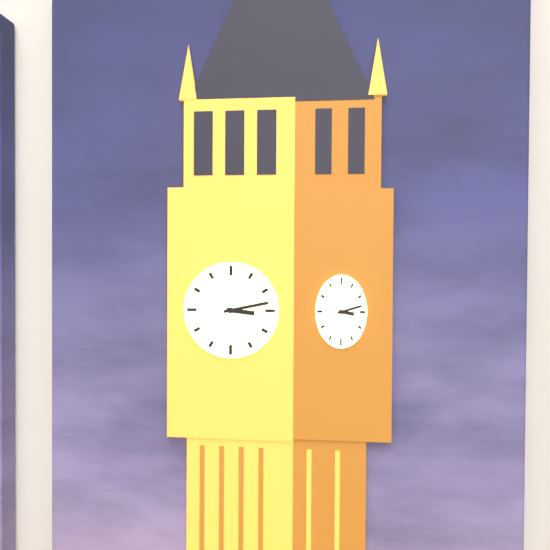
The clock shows 3.13
